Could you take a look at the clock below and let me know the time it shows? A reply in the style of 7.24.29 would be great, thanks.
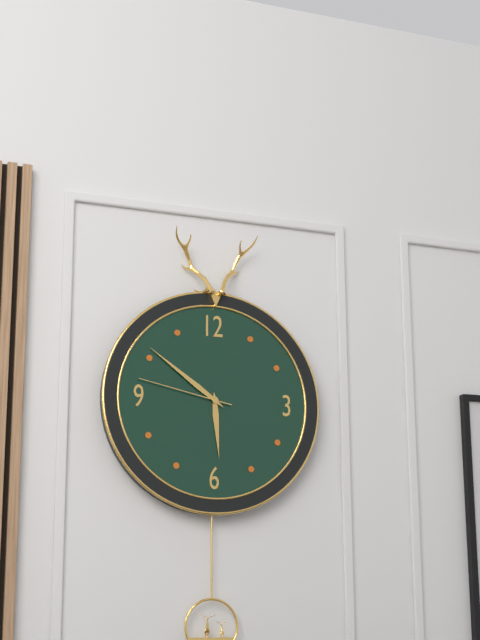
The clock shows 5.51.47
